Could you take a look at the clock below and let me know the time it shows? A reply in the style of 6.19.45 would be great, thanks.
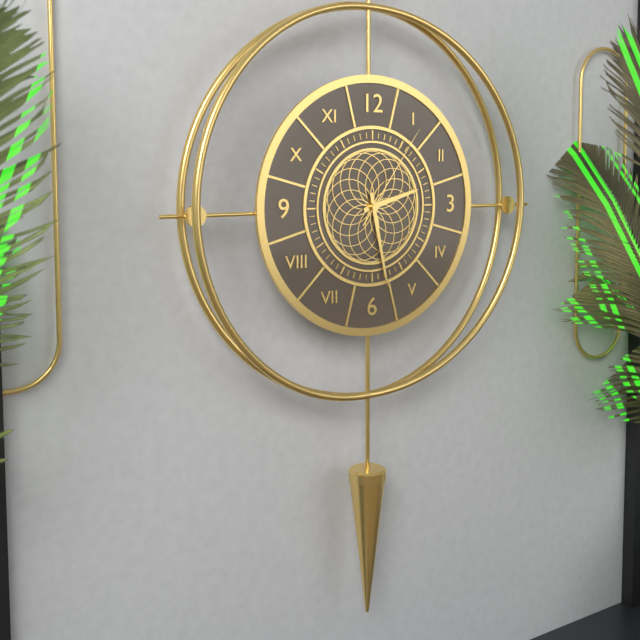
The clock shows 2.28.06
